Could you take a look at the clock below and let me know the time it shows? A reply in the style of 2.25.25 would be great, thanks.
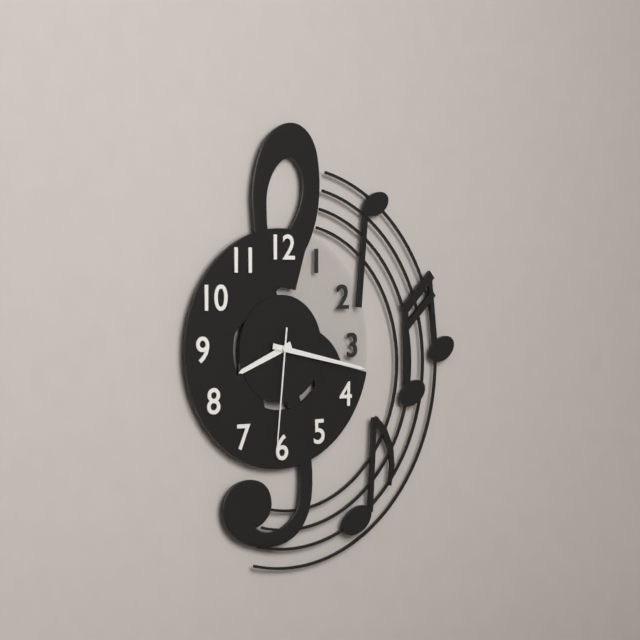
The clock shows 8.17.31
